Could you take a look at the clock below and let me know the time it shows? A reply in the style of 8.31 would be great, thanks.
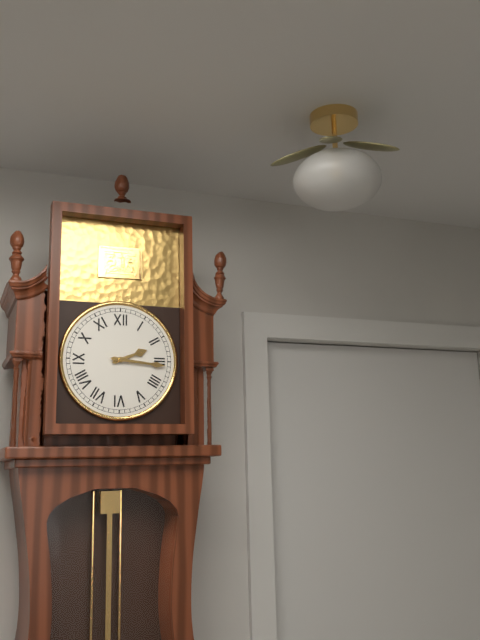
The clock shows 2.16
